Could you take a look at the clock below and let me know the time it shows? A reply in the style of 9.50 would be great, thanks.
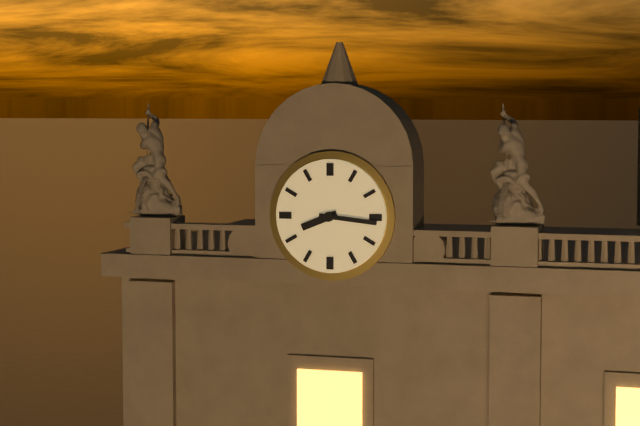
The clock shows 8.16
